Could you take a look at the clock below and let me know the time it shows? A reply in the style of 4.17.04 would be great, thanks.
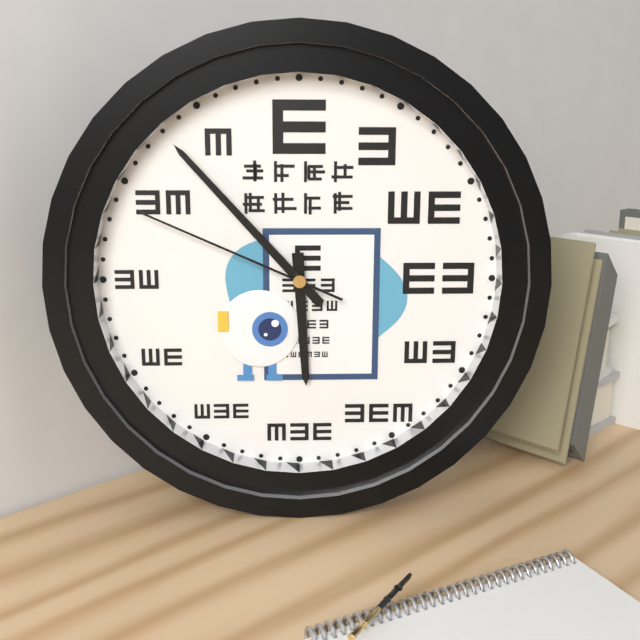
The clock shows 5.53.49
